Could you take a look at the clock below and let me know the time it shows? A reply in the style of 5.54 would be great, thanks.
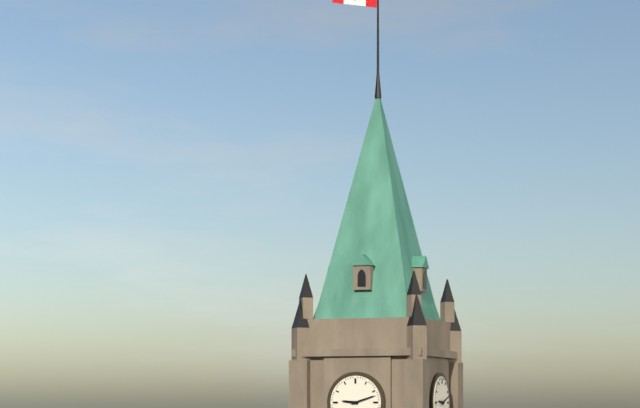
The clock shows 9.12
